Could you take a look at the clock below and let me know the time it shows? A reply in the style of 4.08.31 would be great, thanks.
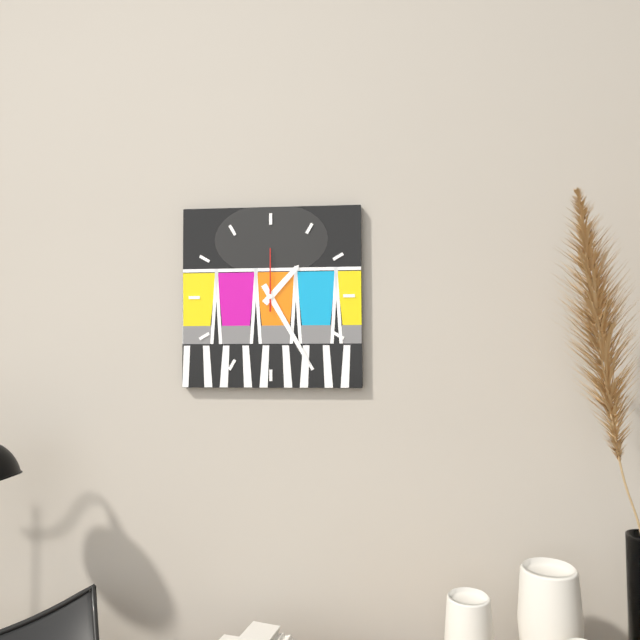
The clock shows 1.25.00
